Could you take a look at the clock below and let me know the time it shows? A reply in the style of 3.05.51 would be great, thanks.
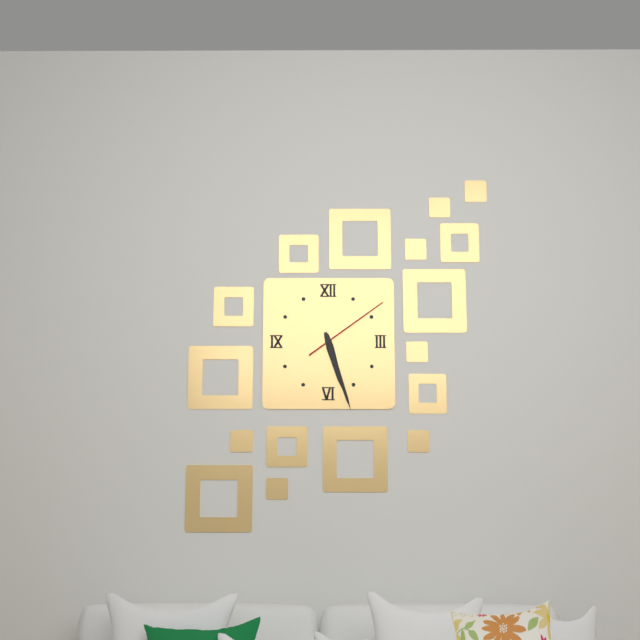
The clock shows 5.27.09
